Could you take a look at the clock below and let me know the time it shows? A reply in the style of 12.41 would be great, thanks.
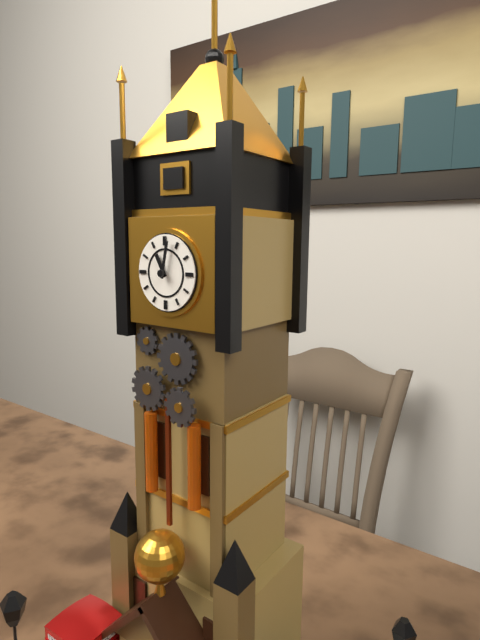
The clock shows 11.02
